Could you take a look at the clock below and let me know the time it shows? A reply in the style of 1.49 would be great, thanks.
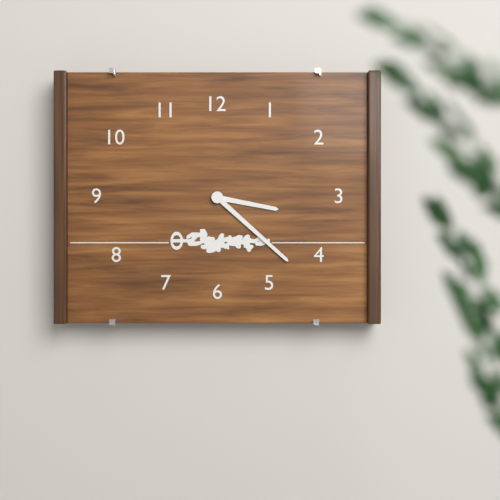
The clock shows 3.22
